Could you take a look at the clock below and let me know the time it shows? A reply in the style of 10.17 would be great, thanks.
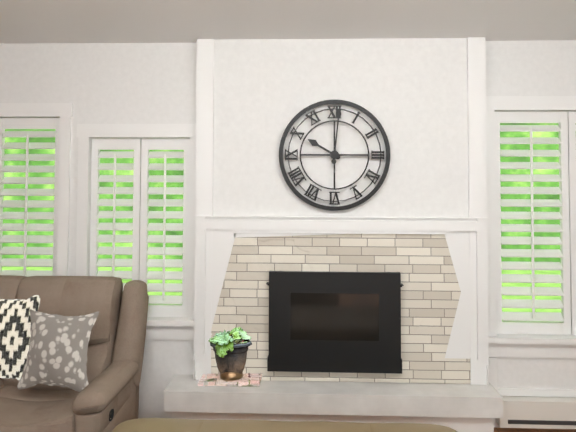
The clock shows 10.01
